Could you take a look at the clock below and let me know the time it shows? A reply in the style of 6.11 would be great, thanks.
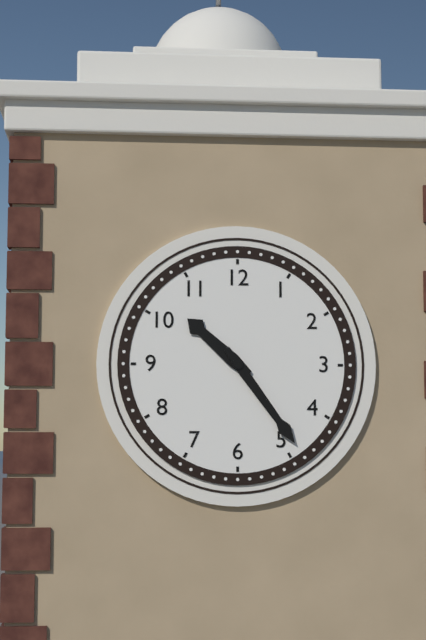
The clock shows 10.24
